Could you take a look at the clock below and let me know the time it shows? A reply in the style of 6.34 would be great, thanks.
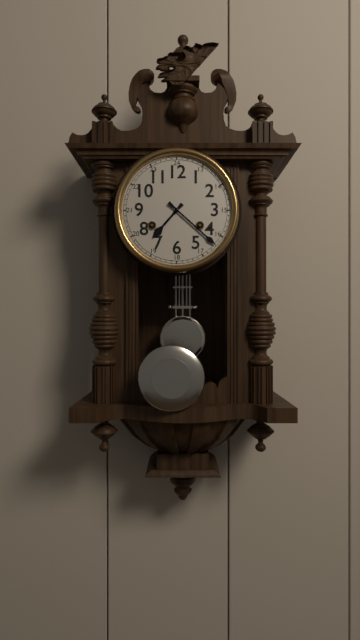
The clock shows 7.22
